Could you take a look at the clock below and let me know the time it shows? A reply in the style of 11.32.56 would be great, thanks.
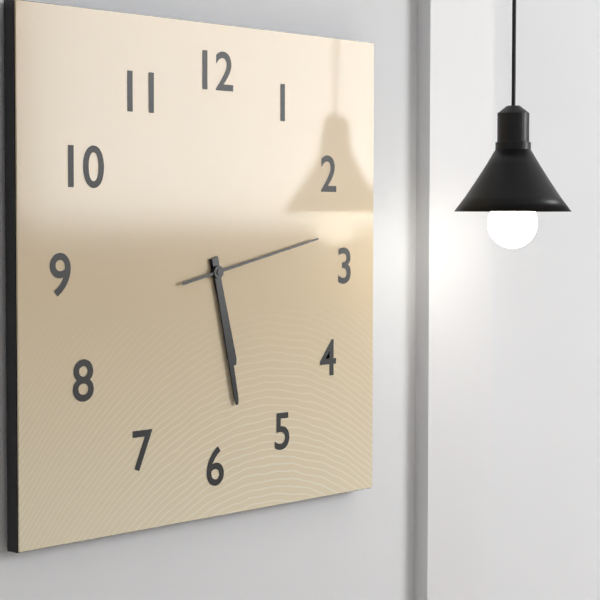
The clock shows 5.28.13
